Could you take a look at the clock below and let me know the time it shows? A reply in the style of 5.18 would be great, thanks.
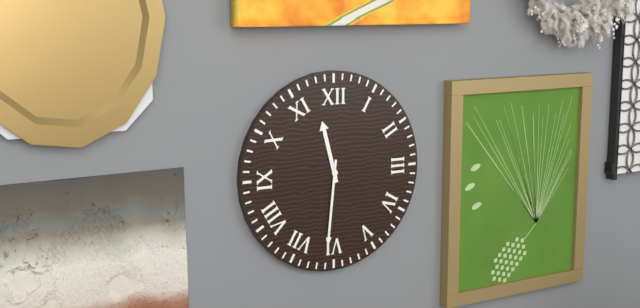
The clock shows 11.31
